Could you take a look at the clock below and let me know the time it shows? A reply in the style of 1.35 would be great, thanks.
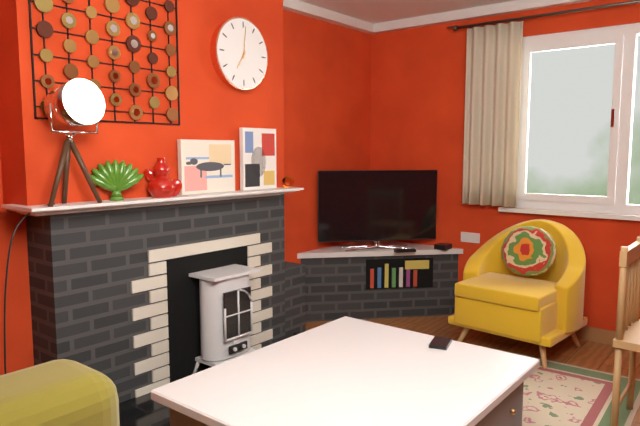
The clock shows 7.01
